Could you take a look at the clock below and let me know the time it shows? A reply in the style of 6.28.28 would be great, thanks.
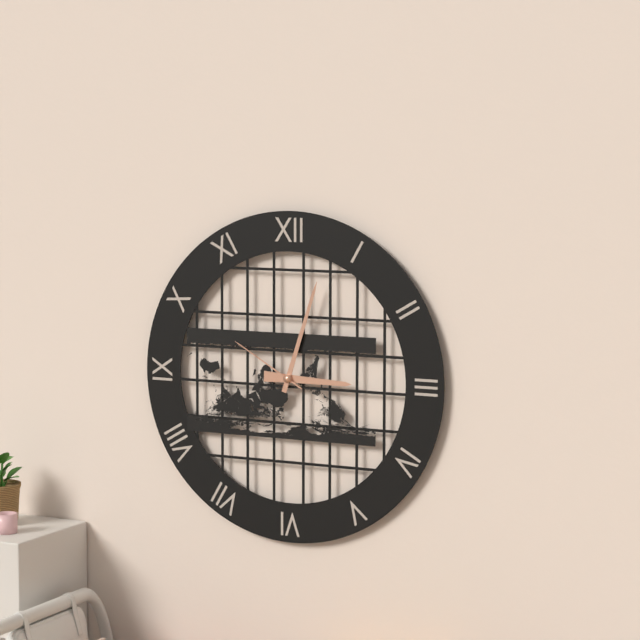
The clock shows 3.03.50
